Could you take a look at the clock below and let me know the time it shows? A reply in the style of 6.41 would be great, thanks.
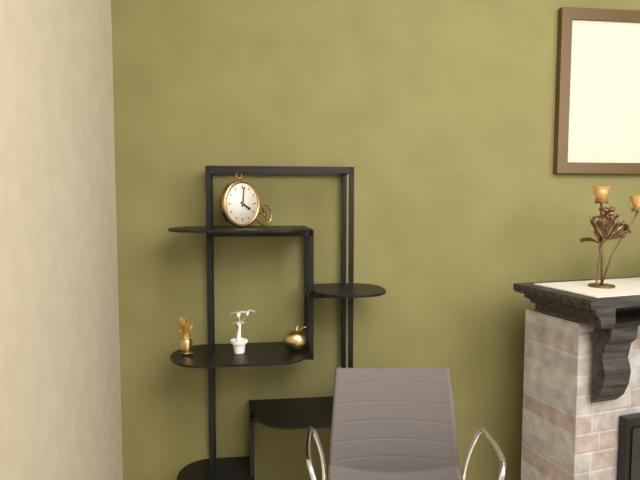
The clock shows 4.01
